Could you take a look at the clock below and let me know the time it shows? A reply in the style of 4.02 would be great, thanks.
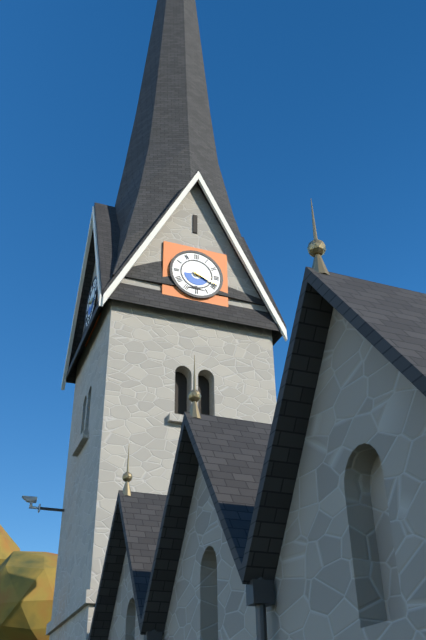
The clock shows 3.19
